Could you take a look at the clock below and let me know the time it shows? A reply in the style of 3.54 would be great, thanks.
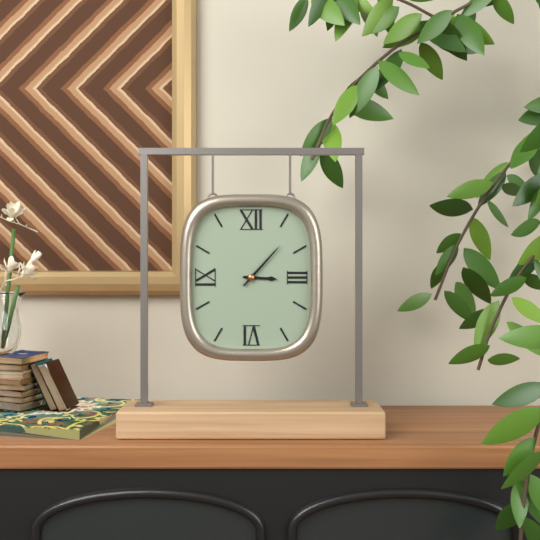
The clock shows 3.07
